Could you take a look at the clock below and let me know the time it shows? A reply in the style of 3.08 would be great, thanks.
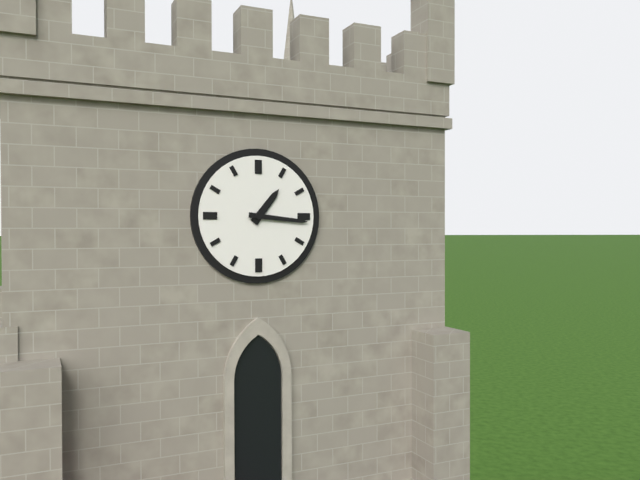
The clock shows 1.16
